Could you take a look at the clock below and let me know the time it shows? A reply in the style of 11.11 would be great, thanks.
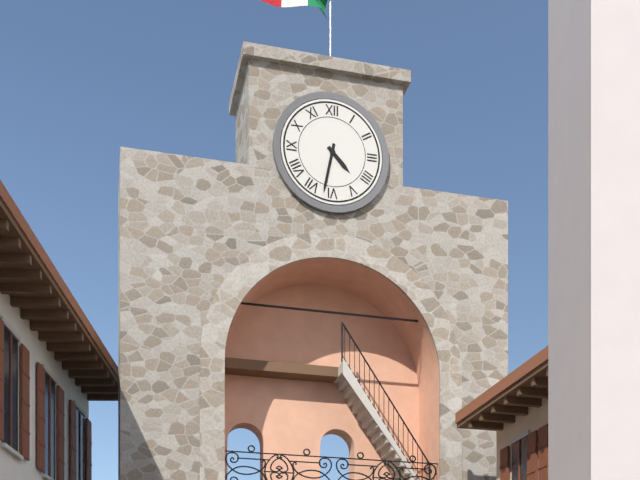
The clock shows 4.32
